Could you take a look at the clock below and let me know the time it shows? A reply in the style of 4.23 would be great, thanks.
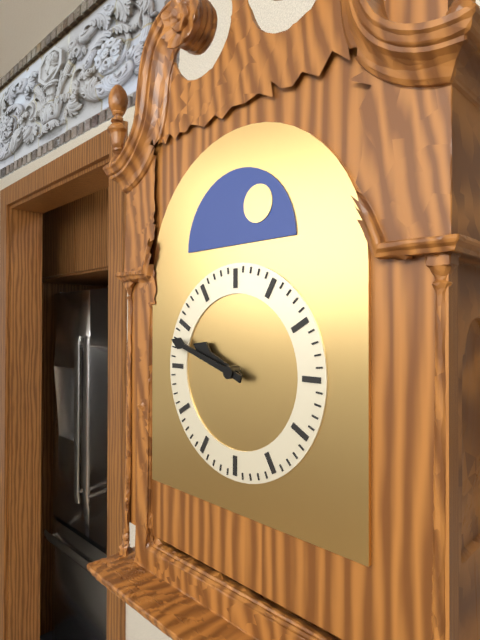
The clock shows 9.48
